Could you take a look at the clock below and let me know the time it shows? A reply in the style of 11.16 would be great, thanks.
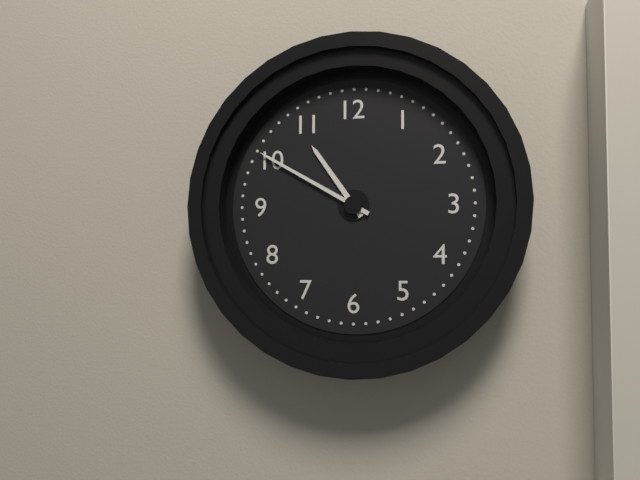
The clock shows 10.50
